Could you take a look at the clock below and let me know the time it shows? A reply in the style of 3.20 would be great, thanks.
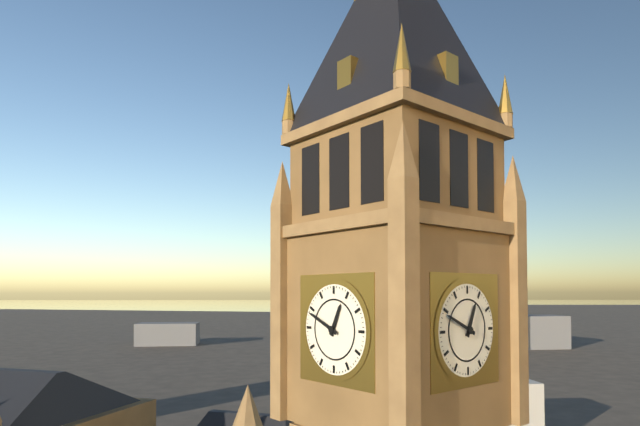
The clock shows 12.49
